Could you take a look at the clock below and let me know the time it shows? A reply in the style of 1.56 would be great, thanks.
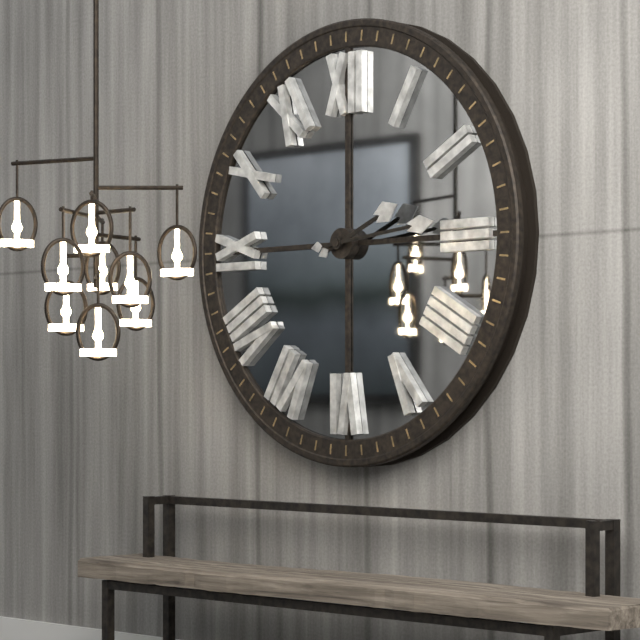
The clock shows 2.14
